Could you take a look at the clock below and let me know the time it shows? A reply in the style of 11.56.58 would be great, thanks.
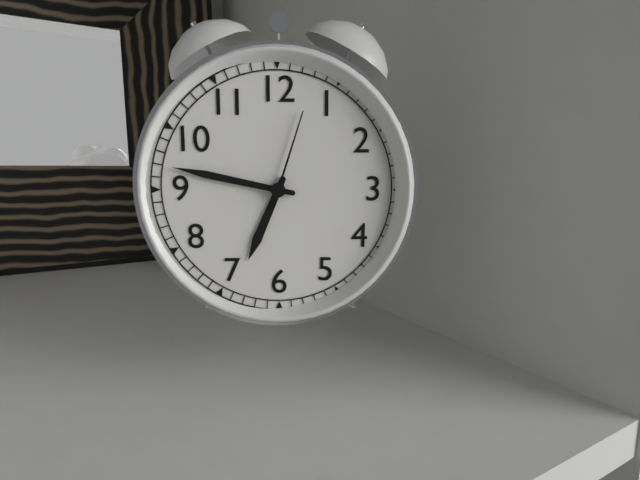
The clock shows 6.47.03
